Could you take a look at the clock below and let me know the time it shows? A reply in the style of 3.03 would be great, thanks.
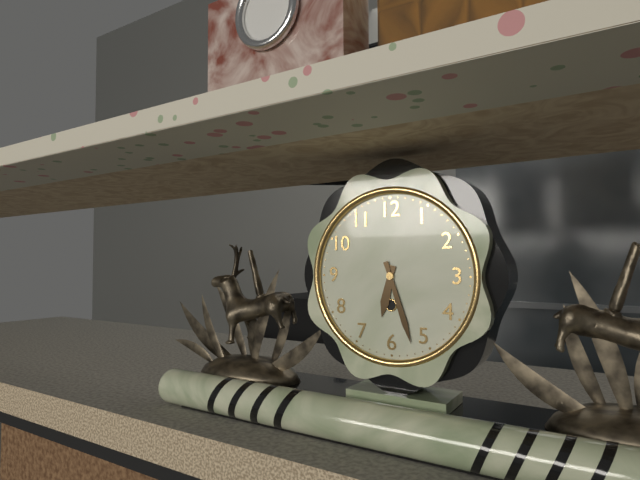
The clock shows 6.27
